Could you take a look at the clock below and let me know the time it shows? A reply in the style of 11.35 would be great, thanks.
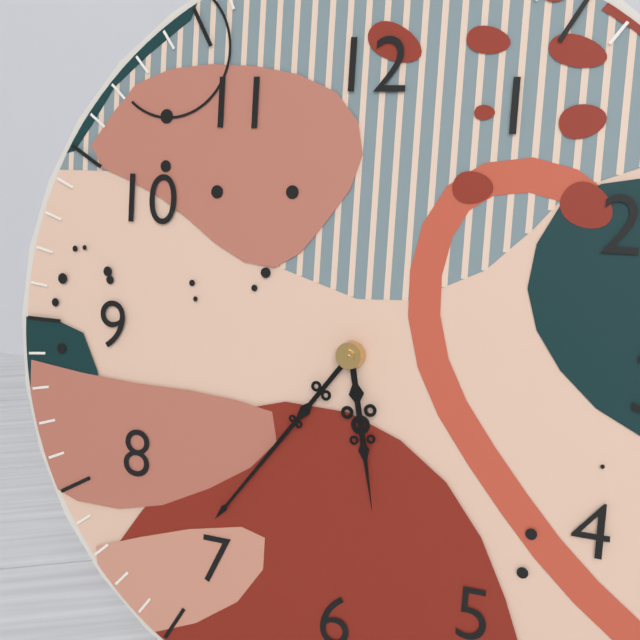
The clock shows 5.36
